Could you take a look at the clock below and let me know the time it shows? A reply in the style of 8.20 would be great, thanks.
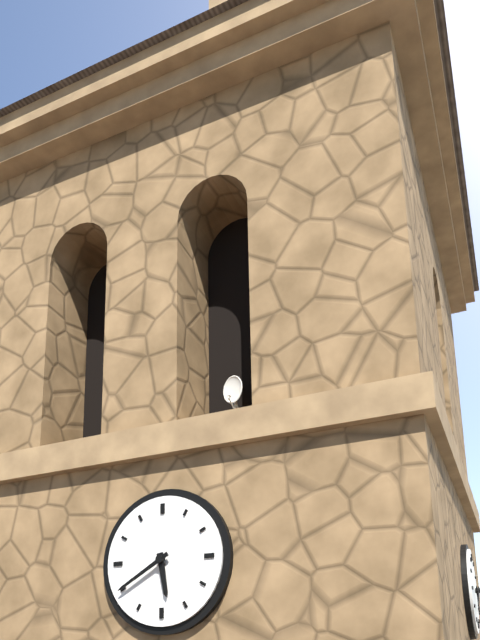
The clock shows 5.40
